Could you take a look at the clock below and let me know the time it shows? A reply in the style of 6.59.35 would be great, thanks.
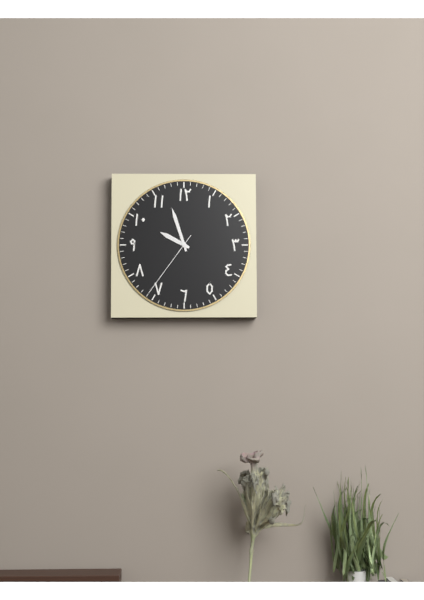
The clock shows 9.57.36
